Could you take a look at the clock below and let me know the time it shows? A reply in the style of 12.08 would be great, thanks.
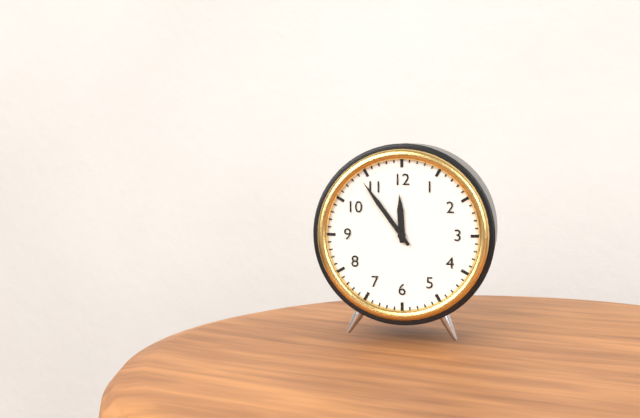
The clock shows 11.54
